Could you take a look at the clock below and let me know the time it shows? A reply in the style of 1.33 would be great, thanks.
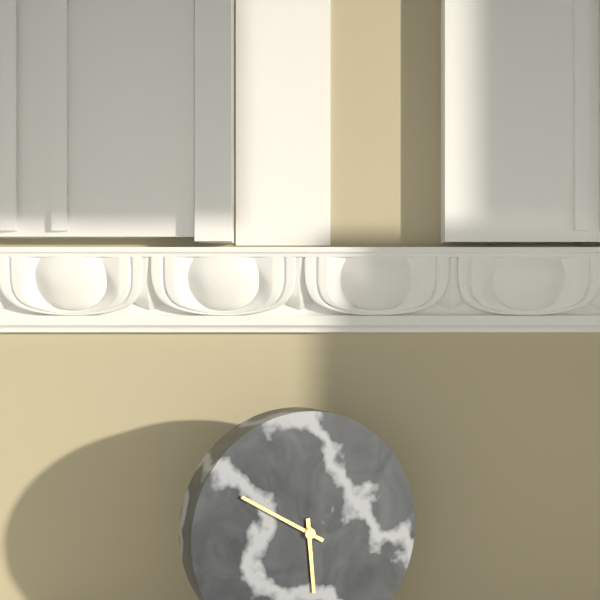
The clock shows 5.50
